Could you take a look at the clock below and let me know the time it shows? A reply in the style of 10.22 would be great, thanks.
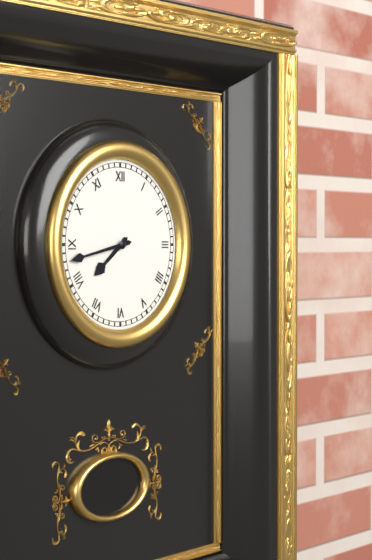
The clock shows 7.43
